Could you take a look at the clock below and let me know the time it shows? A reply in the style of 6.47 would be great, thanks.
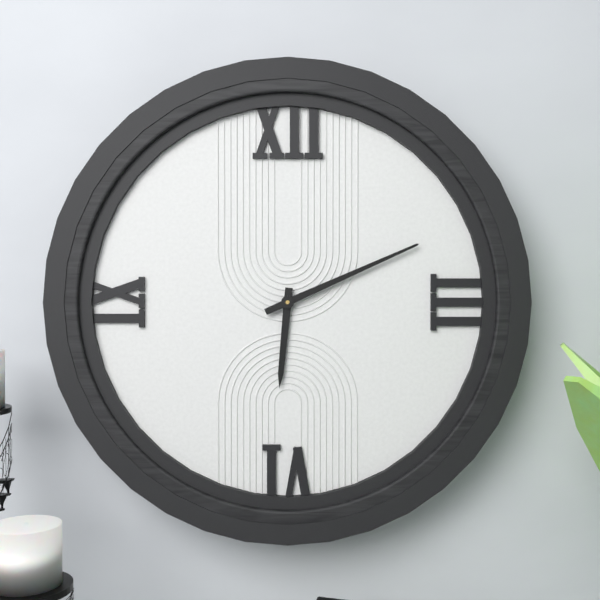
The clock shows 6.11
